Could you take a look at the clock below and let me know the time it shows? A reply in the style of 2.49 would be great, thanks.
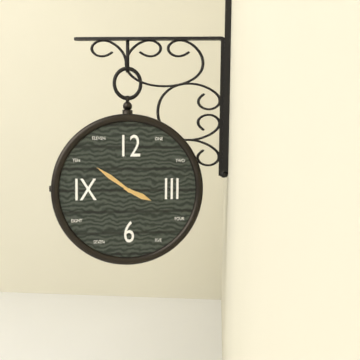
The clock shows 3.51
